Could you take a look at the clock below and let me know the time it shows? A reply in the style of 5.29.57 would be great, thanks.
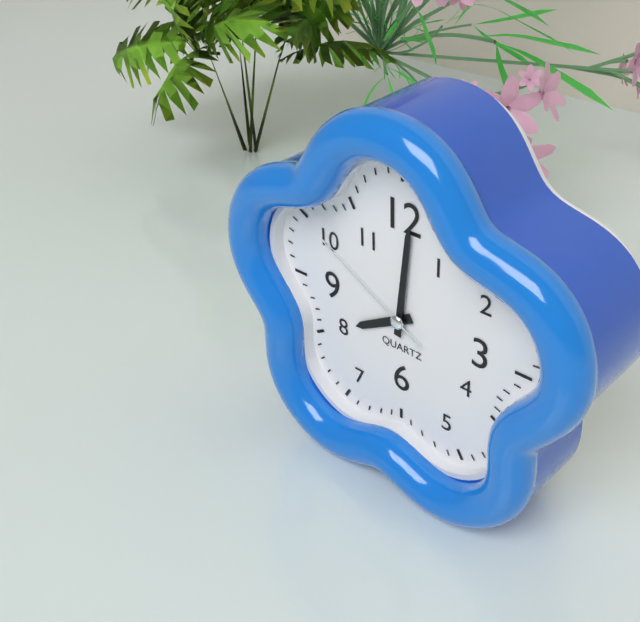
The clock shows 8.01.50
